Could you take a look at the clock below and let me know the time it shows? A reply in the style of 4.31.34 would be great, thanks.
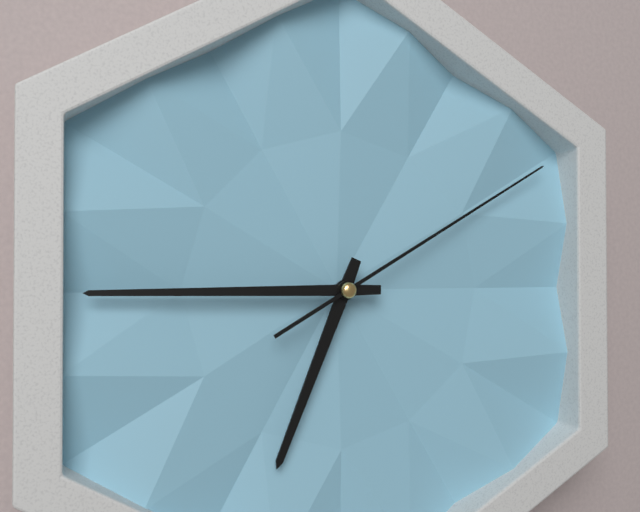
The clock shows 6.45.10
